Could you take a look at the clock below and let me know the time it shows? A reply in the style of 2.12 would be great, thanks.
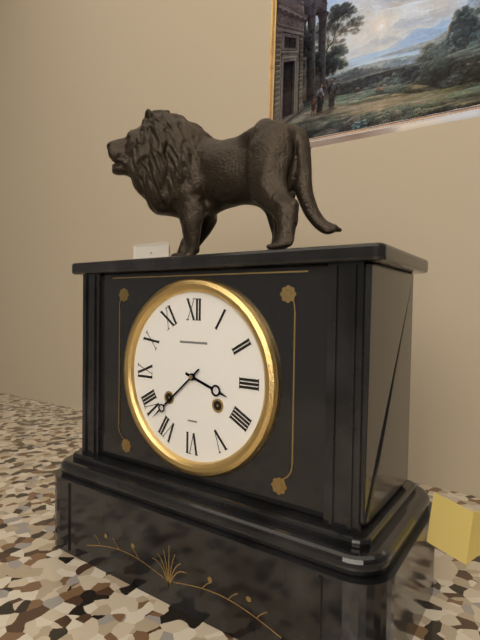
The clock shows 3.38
